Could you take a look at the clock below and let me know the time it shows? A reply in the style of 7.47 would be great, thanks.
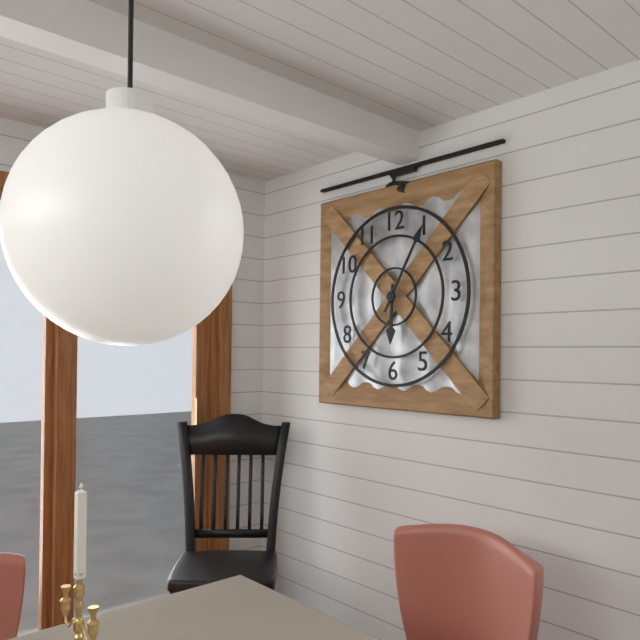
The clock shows 6.05
